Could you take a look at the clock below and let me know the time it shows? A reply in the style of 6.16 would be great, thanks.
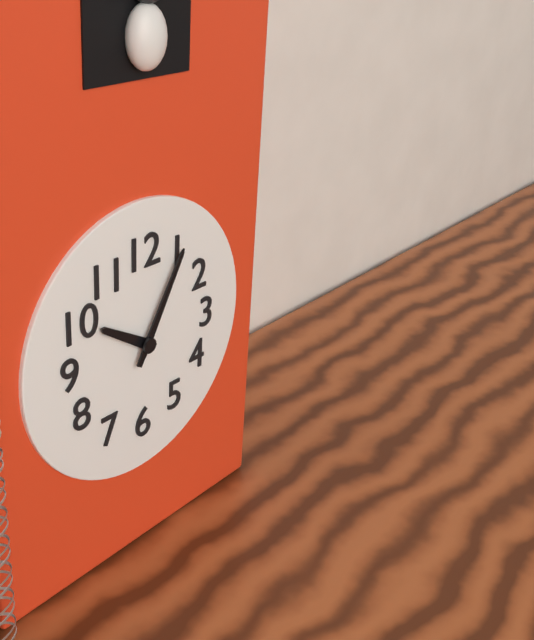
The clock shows 10.05
